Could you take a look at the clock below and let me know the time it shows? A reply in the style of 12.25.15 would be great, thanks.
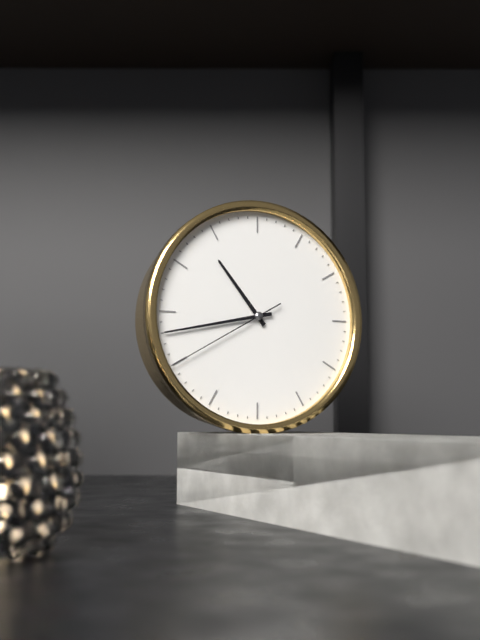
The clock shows 10.43.40
